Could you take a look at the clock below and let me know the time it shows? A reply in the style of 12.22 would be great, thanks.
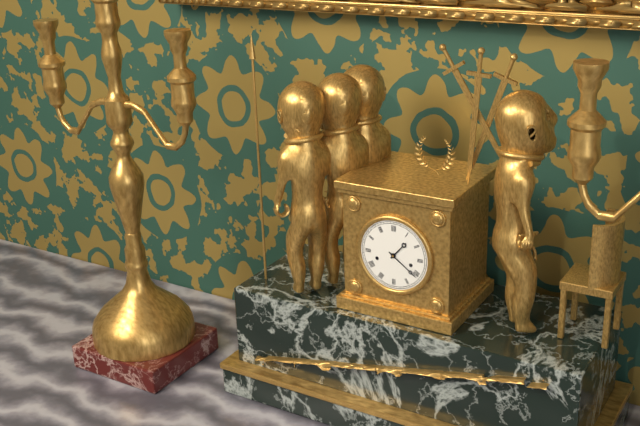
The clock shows 1.21
